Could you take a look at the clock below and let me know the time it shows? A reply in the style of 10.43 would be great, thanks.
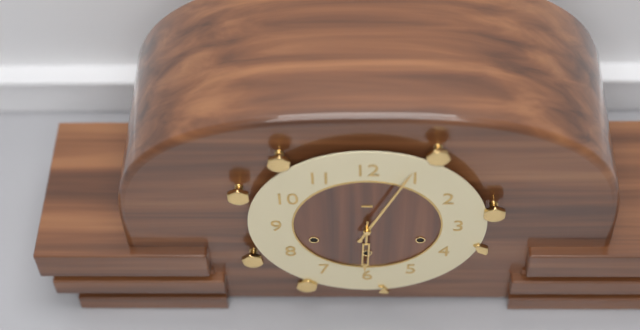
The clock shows 6.04
